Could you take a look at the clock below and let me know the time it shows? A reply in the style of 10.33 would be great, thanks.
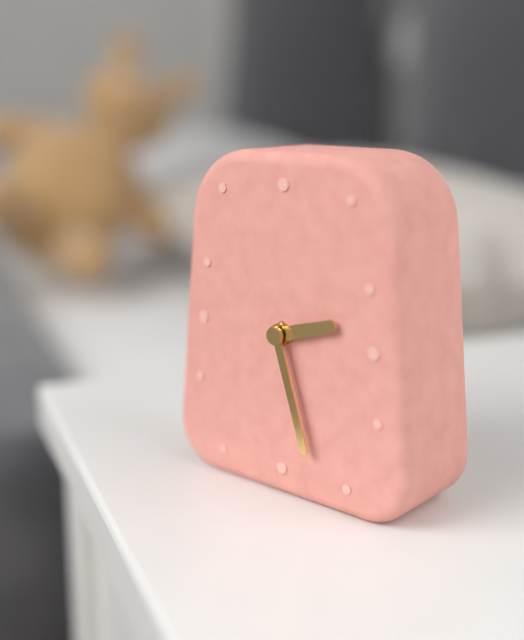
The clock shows 2.27
